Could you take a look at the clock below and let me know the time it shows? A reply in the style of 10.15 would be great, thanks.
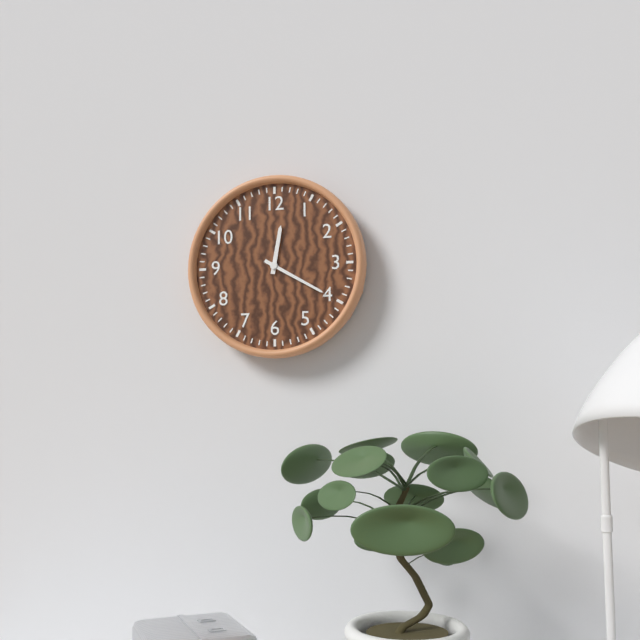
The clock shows 12.20
